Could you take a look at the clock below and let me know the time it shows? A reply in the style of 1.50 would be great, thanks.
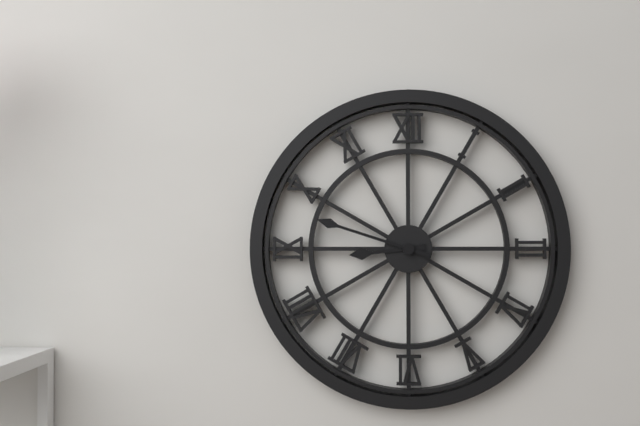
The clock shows 8.48
